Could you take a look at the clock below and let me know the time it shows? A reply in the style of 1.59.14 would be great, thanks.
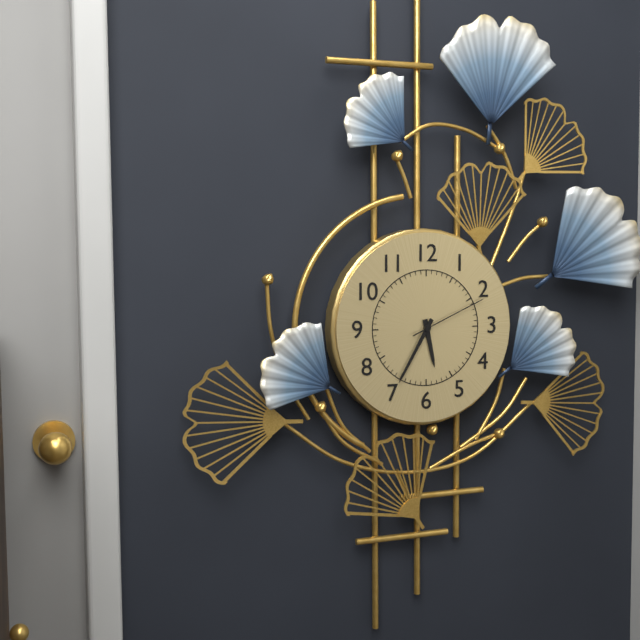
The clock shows 5.35.11
